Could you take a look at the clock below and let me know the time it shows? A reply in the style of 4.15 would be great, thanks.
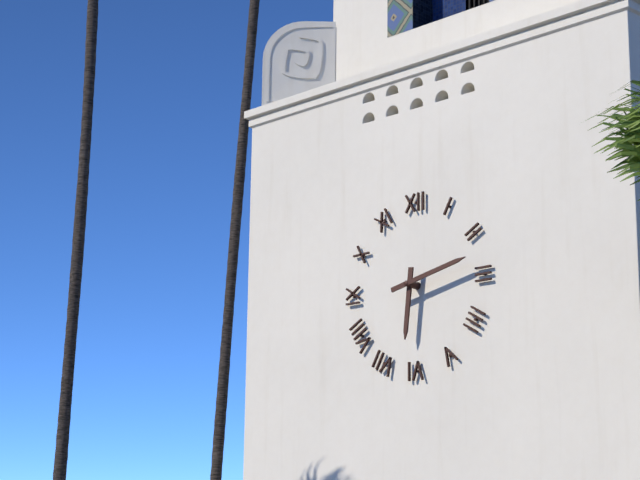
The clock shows 6.13
